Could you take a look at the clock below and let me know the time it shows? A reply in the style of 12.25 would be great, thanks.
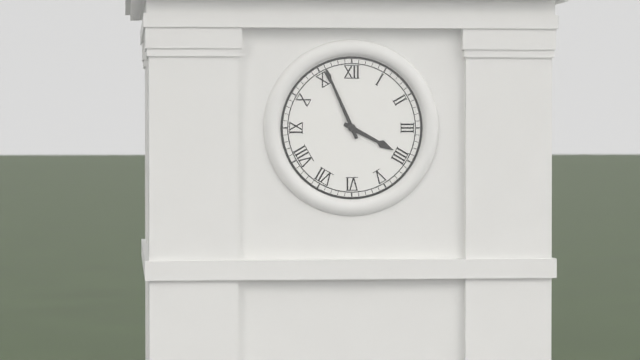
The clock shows 3.56
